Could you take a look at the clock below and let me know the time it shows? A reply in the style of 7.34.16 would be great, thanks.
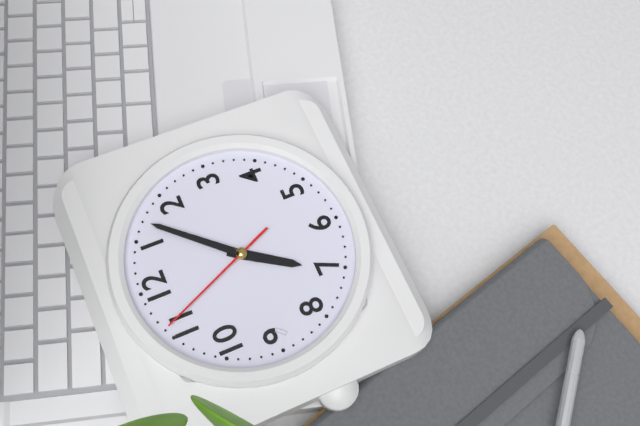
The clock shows 7.07.56
